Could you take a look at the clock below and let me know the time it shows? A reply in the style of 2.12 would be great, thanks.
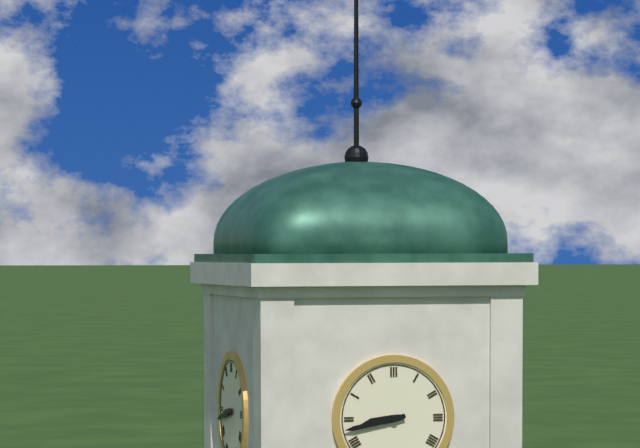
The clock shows 8.43
